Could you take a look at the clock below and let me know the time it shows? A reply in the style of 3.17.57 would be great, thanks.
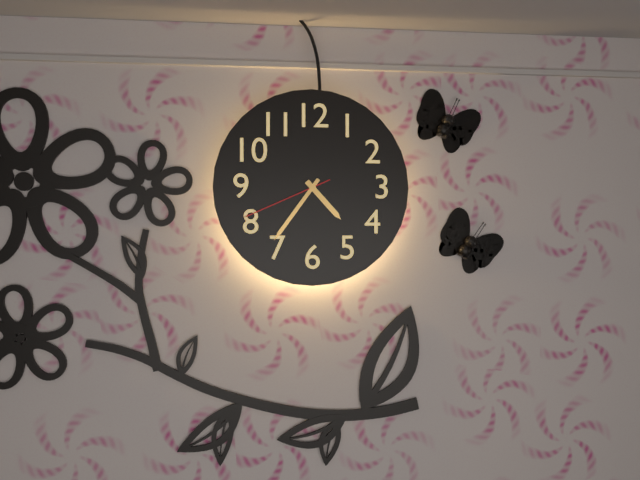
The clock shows 4.36.41
